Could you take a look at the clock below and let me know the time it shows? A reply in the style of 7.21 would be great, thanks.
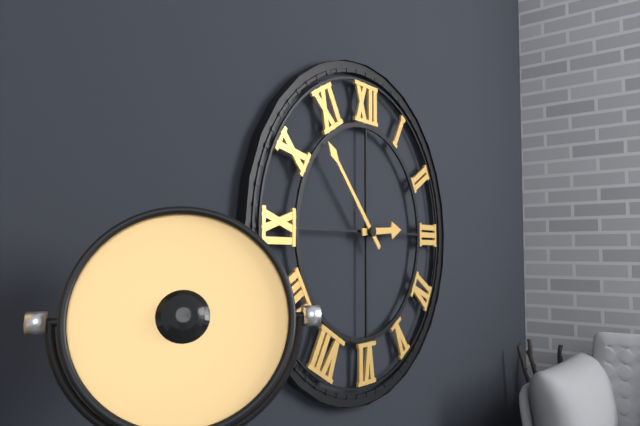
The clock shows 2.53
